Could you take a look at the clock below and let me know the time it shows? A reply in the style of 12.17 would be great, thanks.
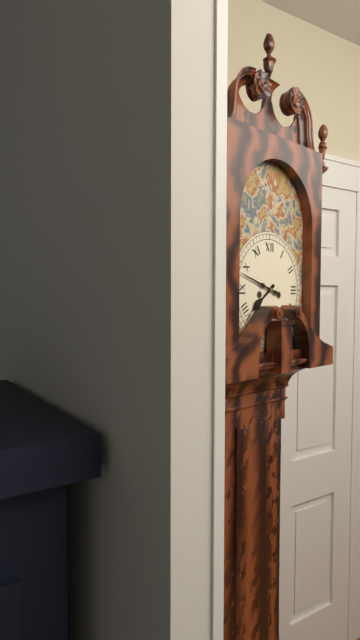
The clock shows 7.48
